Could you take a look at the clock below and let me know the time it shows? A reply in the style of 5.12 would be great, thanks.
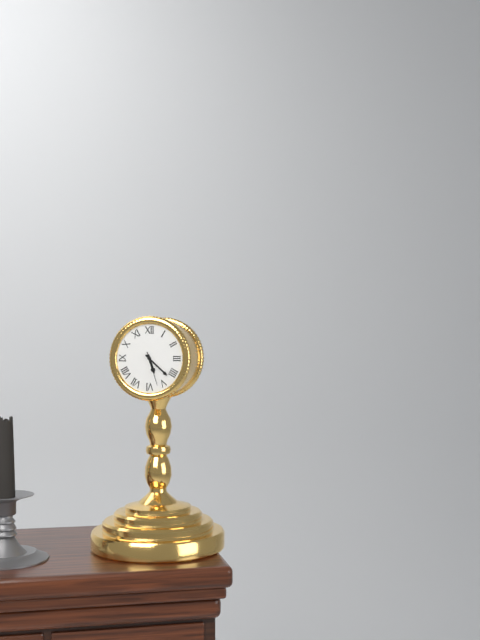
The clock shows 5.22
